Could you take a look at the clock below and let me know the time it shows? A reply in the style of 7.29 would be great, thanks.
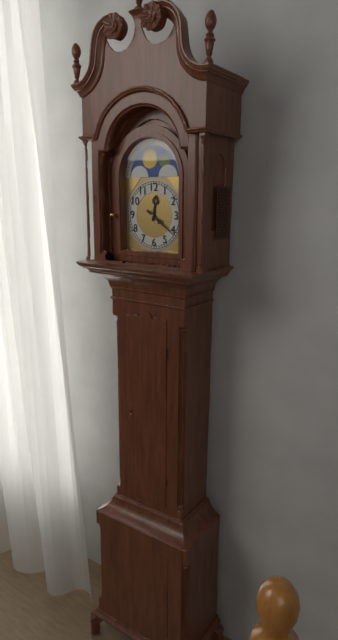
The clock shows 12.21
